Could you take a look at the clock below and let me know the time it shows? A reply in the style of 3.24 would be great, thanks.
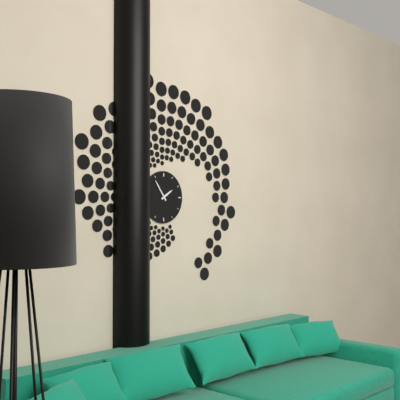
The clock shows 1.54
